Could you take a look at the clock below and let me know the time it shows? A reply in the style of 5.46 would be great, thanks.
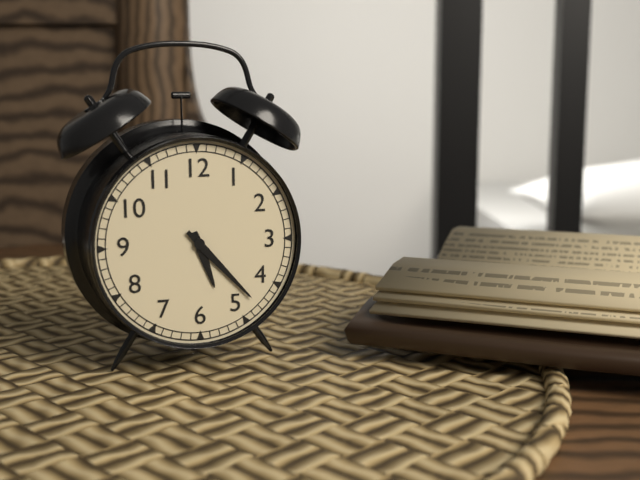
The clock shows 5.23
